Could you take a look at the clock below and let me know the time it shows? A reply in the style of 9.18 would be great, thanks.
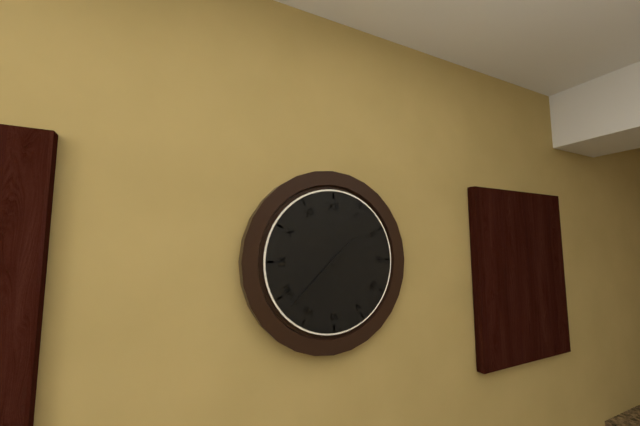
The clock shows 1.38
